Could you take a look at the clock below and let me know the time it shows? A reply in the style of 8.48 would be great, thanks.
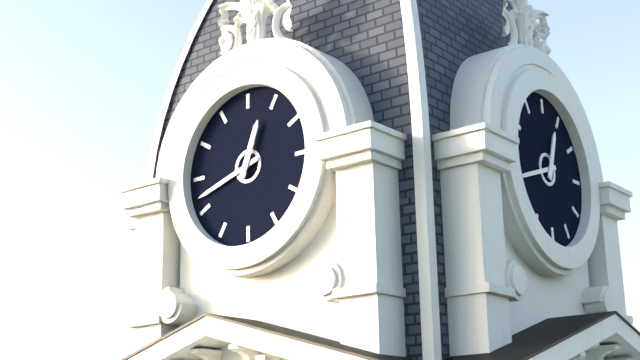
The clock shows 12.42
